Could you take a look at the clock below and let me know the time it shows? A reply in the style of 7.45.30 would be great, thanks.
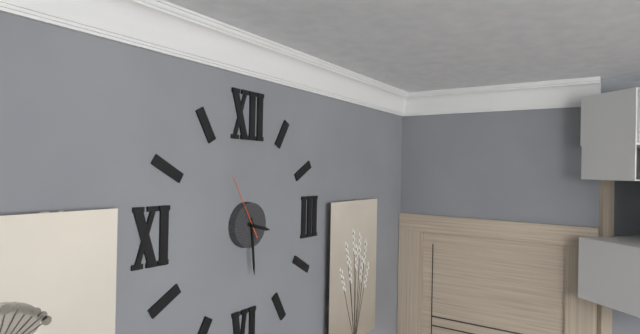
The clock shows 3.29.55
